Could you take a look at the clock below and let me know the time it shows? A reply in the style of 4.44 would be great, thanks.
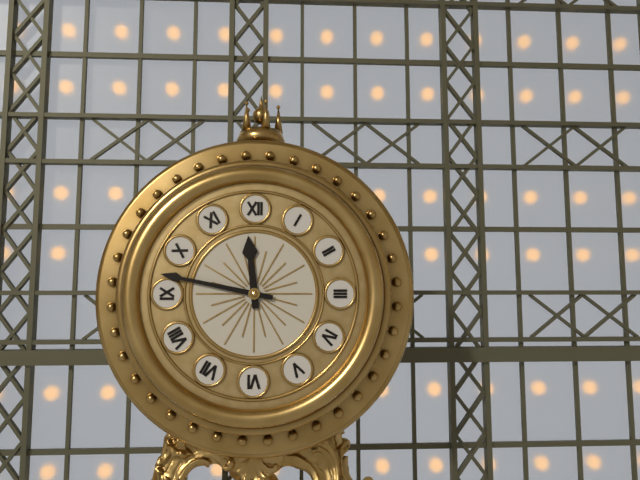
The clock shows 11.47
